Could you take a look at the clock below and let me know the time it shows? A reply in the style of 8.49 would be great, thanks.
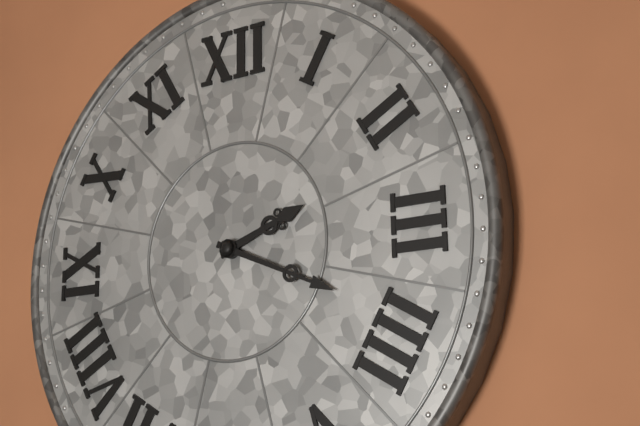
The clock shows 2.19
